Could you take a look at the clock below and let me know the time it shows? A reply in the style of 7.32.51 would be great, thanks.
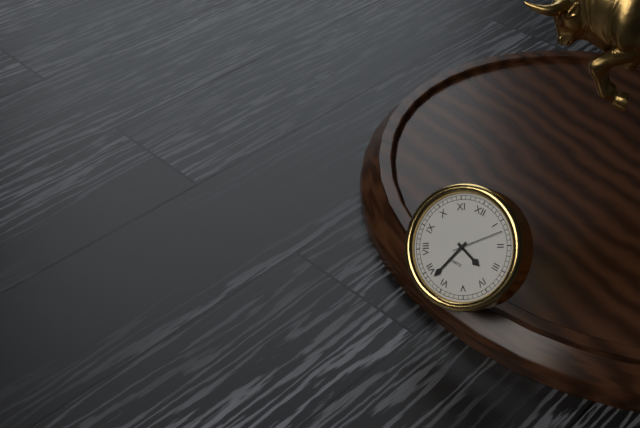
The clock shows 3.33.07
